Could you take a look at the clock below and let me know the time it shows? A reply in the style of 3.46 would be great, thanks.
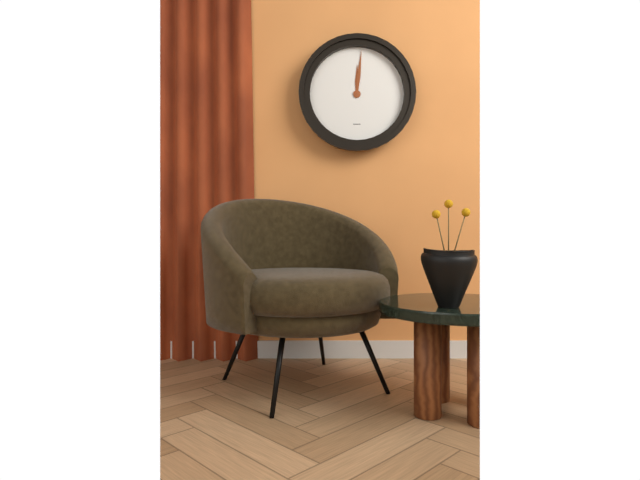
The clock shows 12.01
